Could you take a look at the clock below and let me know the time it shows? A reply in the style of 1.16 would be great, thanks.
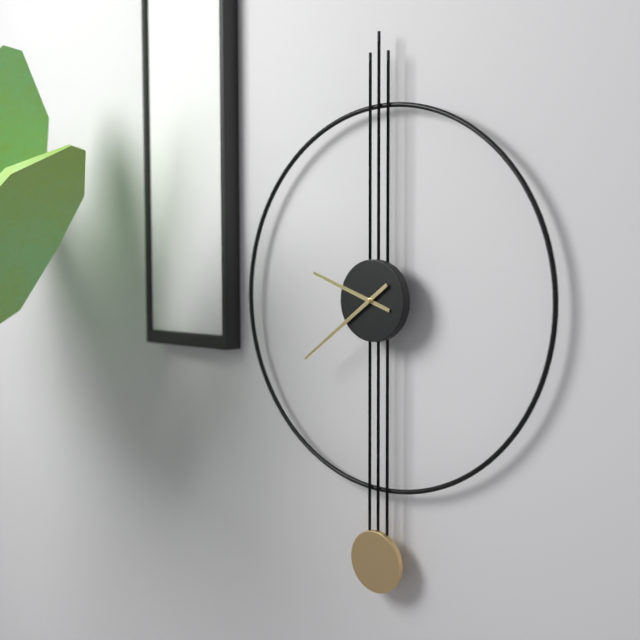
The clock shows 9.39
